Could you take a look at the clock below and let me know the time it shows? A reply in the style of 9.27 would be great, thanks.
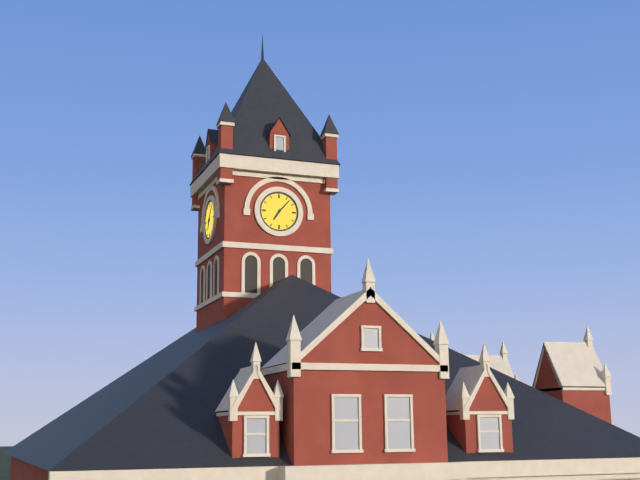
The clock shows 7.07
